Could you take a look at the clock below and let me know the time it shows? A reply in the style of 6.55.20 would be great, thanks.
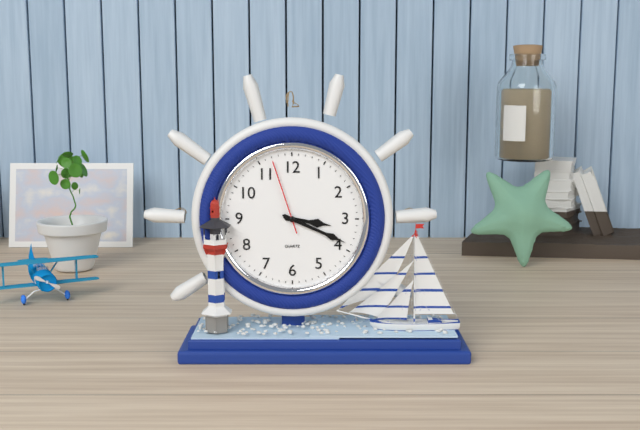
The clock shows 3.19.57
